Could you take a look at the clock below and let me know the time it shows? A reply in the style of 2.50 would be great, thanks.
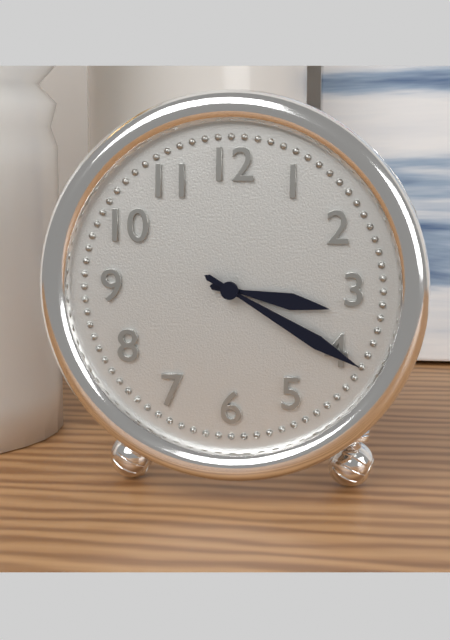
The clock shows 3.20
